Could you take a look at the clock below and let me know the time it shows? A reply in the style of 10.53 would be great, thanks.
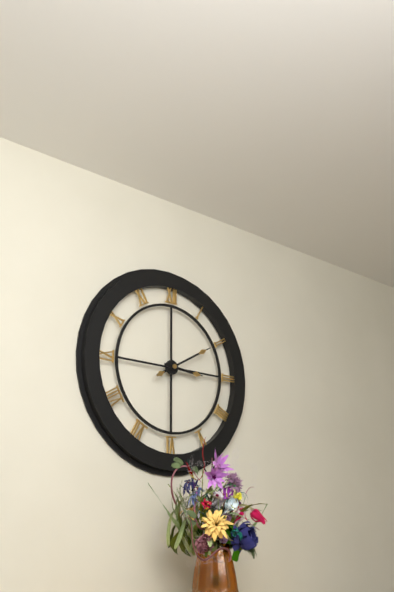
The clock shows 3.10
